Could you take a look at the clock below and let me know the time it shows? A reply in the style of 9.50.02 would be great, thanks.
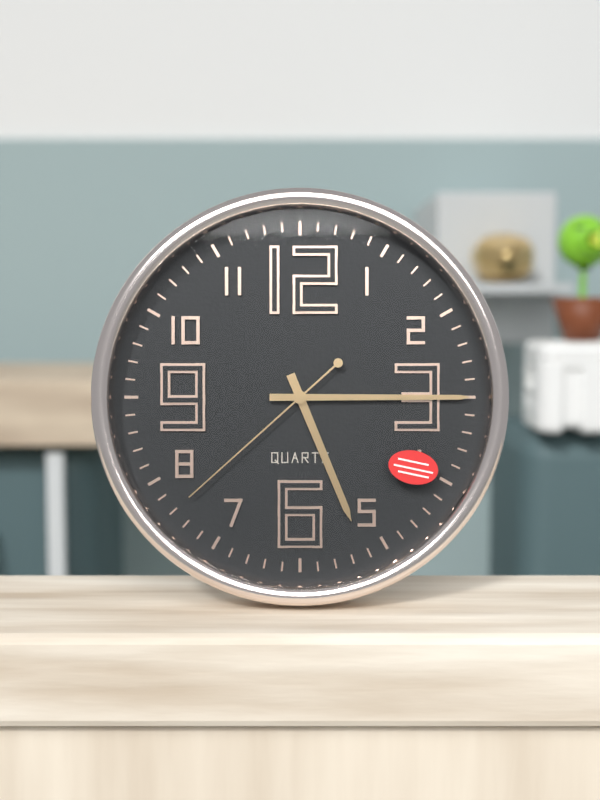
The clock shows 5.15.38
